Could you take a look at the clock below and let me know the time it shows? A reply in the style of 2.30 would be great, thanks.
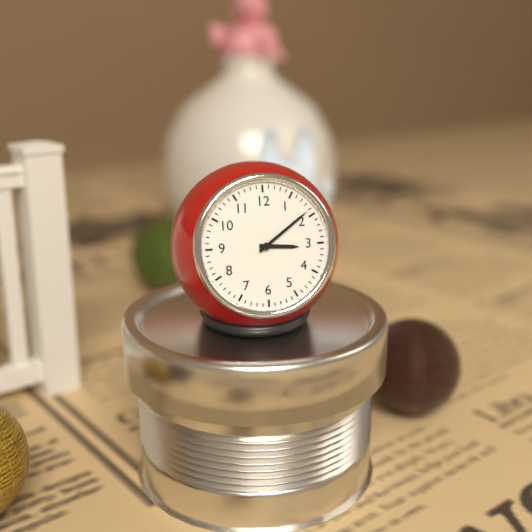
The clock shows 3.09
